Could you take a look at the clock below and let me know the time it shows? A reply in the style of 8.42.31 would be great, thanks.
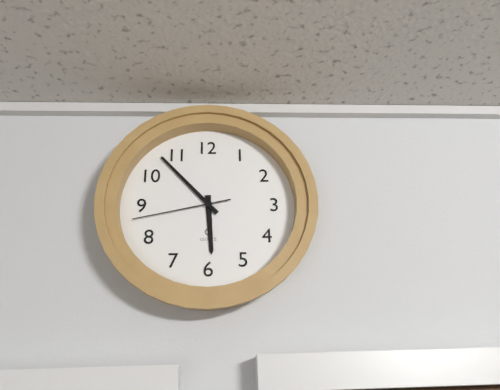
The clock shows 5.53.43
